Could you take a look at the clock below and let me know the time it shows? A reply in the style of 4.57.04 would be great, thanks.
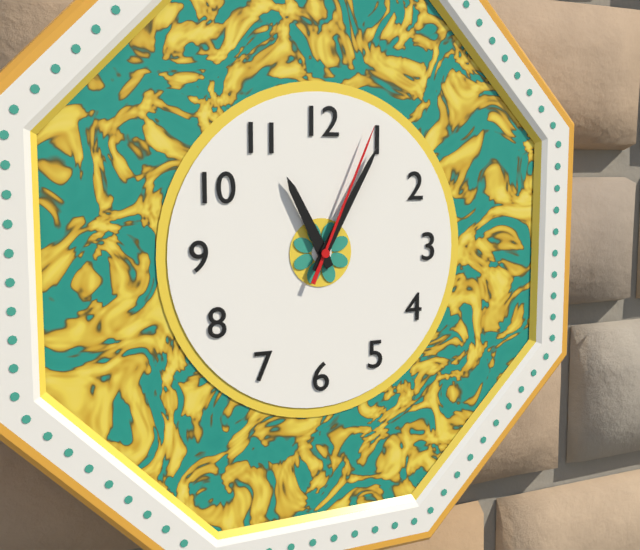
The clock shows 11.05.04
